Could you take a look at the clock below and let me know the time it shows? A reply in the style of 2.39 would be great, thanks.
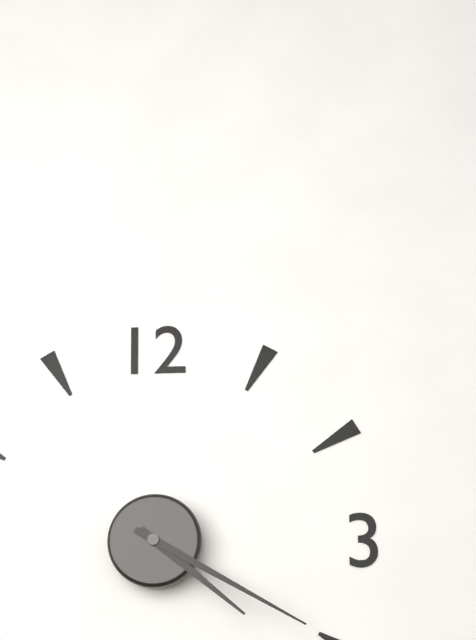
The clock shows 4.20
